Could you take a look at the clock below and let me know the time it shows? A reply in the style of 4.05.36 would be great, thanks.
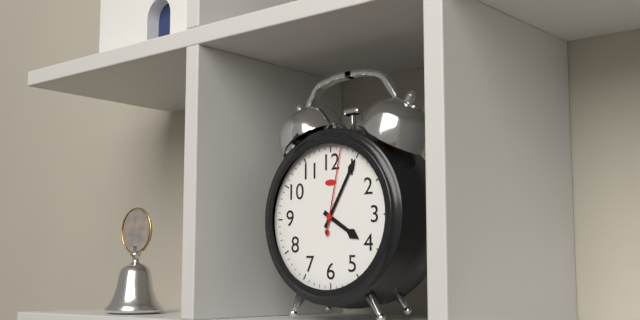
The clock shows 4.05.02
